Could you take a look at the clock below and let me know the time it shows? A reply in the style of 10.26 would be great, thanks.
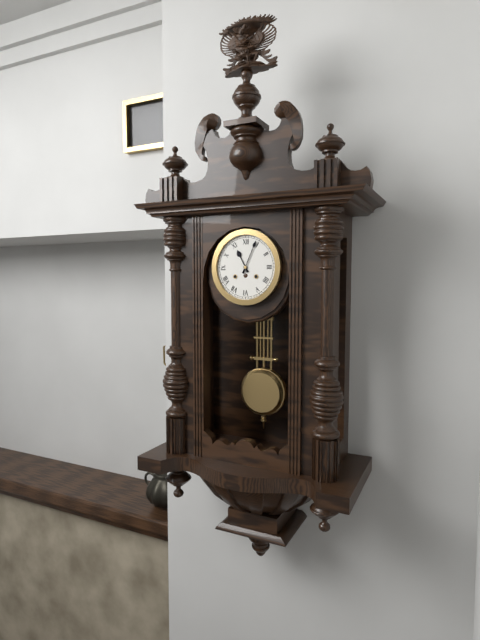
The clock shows 11.04
